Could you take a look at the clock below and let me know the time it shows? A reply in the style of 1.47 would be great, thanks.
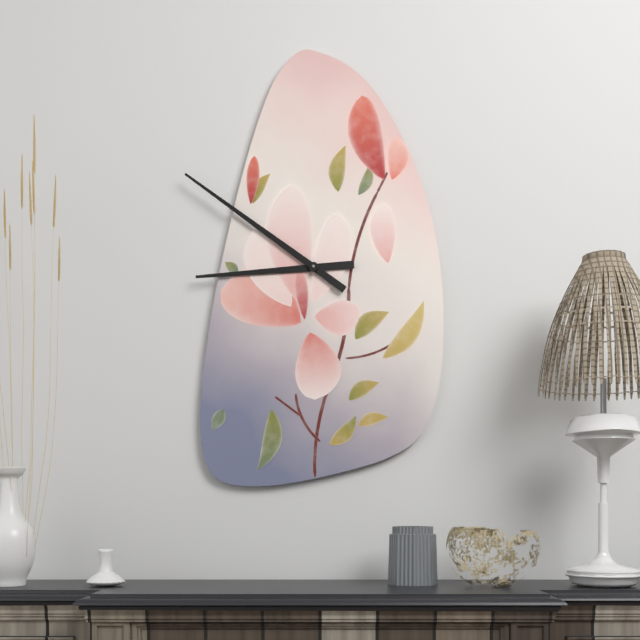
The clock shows 8.51
